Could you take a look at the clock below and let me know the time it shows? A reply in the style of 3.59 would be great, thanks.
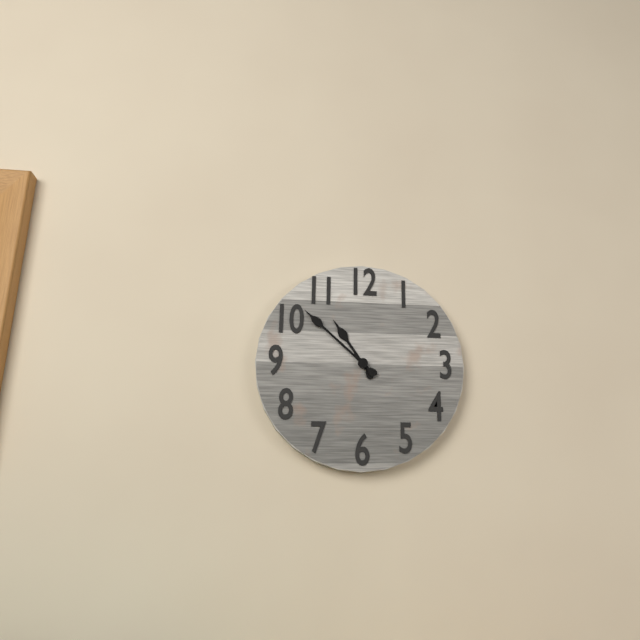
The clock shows 10.52
